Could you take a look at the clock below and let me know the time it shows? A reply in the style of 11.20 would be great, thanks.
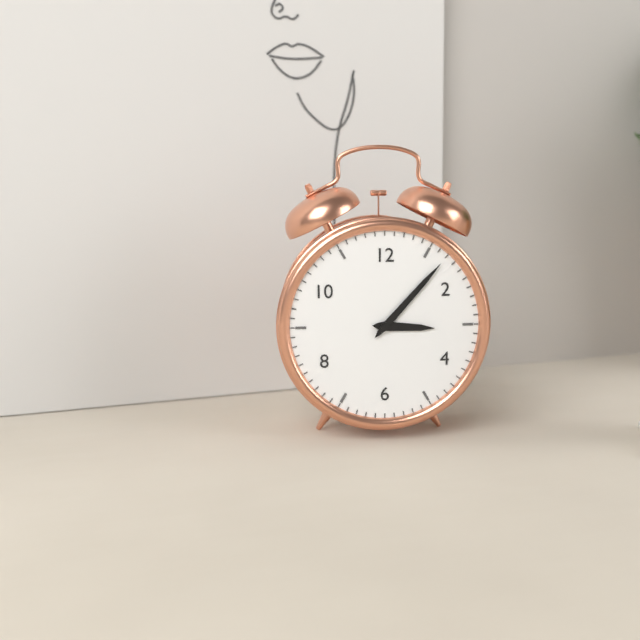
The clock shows 3.07
